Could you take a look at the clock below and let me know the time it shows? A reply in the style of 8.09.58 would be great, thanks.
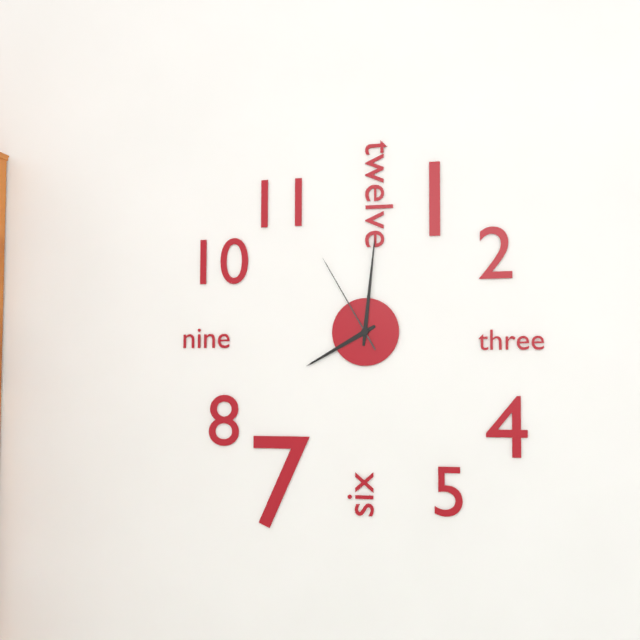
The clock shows 8.01.55
